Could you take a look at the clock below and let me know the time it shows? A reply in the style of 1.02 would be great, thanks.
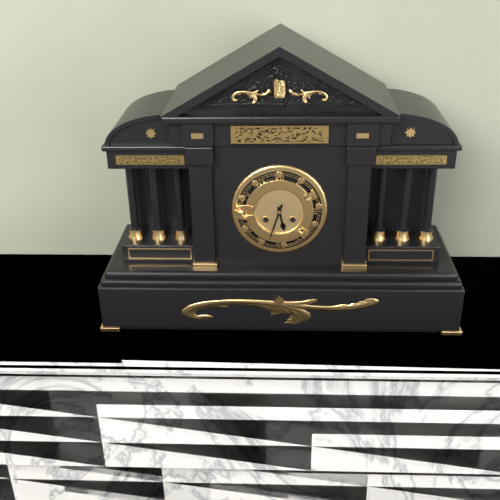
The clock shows 5.33
